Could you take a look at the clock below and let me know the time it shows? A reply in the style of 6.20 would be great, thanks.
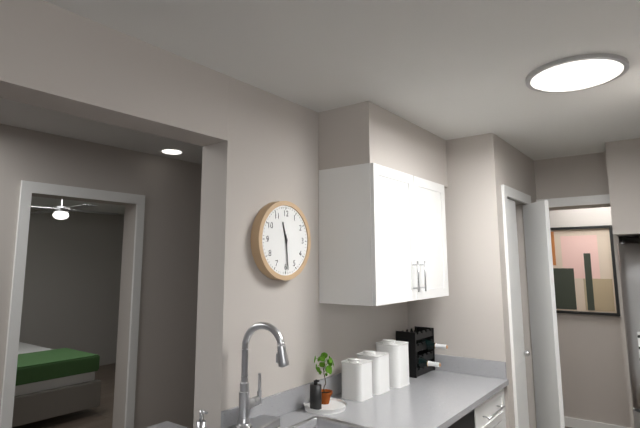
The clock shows 11.29
